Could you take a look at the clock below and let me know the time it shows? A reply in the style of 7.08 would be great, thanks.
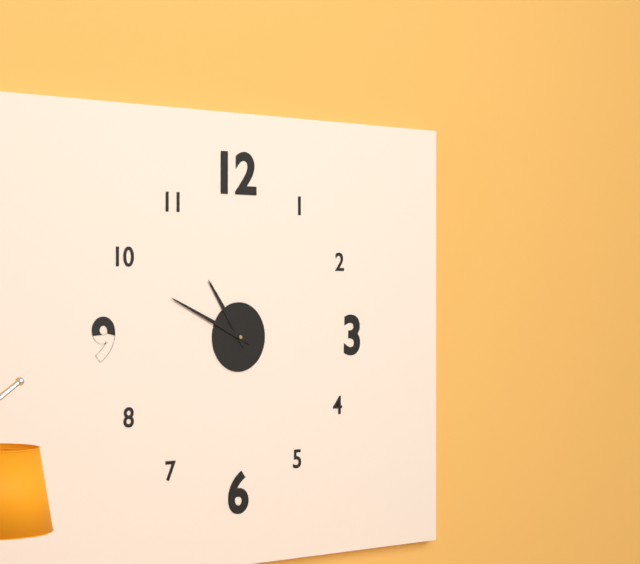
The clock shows 10.49
